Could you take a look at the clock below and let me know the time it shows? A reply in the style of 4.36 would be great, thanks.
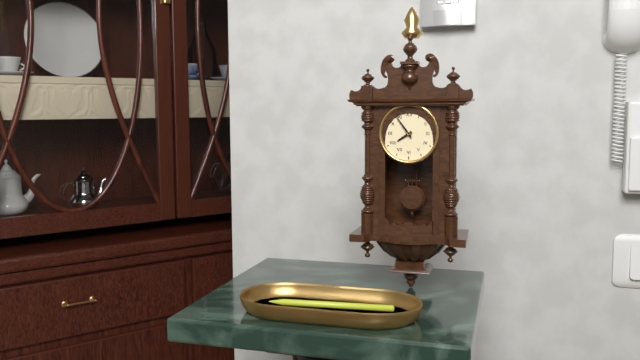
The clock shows 7.54
